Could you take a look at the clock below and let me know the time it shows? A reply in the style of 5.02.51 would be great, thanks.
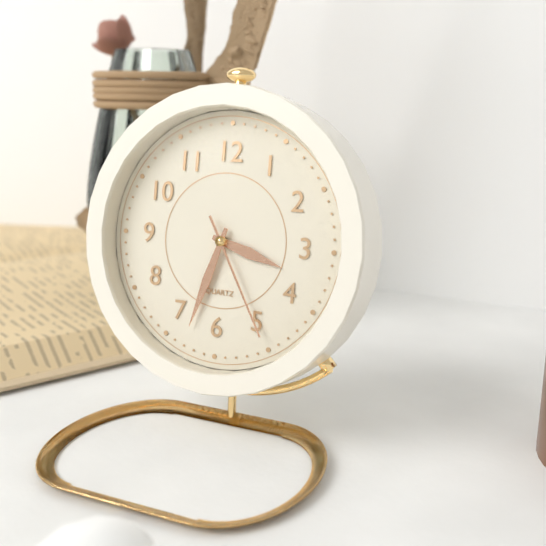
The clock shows 3.33.25
